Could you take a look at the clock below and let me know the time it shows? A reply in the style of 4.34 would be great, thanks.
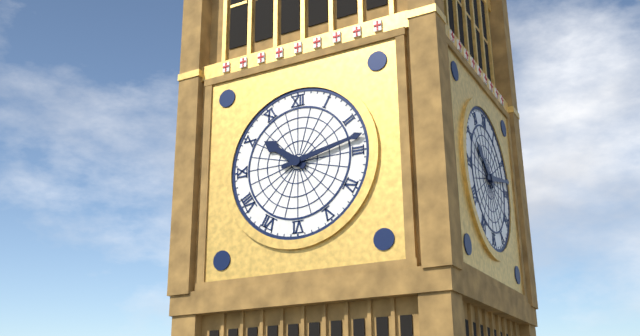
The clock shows 10.13
